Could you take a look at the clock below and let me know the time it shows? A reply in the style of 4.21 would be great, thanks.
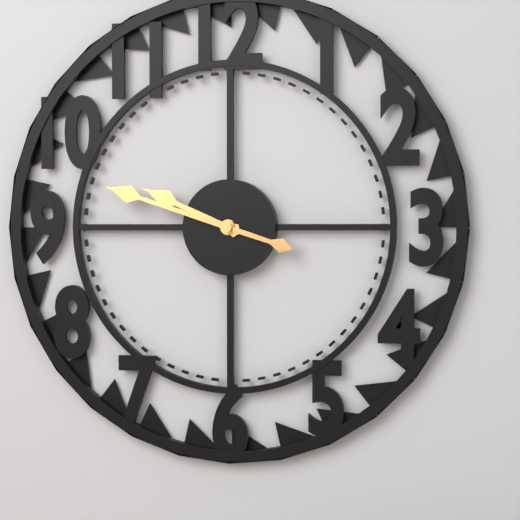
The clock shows 9.48
